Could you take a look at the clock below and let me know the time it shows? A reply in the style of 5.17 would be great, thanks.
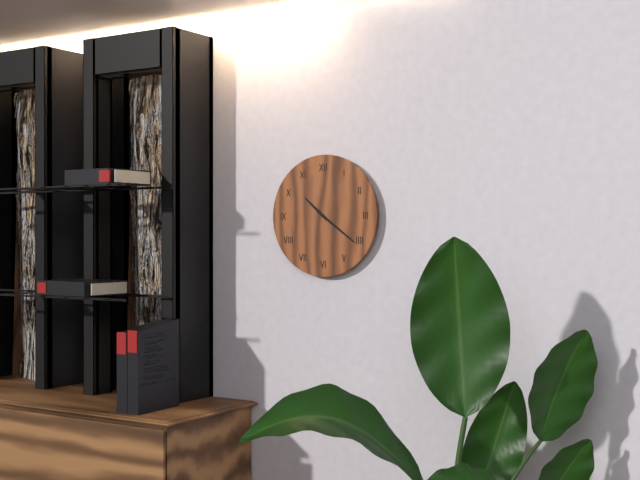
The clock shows 10.21
